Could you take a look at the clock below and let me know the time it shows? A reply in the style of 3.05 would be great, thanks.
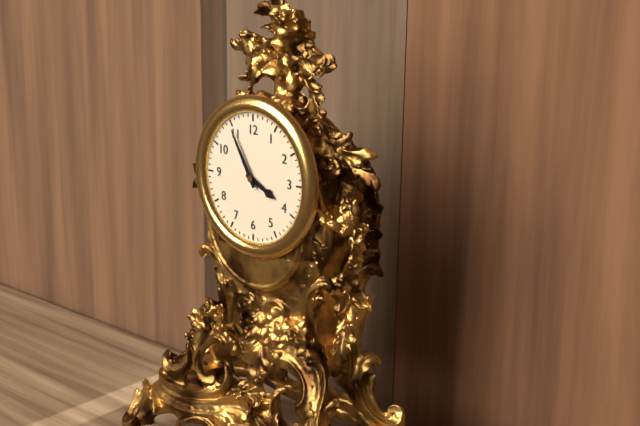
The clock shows 3.55
